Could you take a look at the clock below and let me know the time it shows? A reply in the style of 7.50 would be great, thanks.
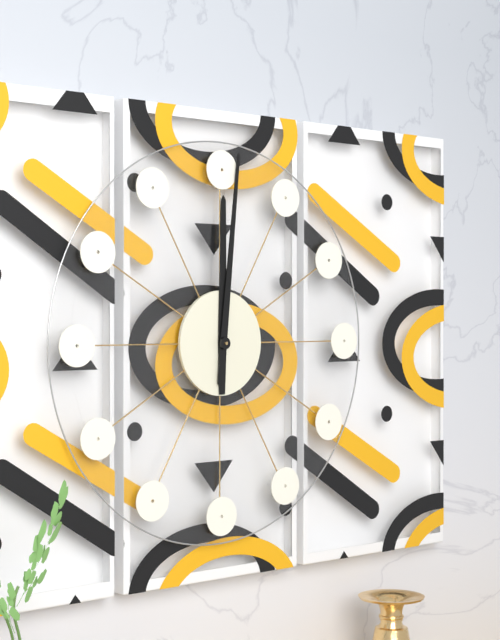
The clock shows 12.01
